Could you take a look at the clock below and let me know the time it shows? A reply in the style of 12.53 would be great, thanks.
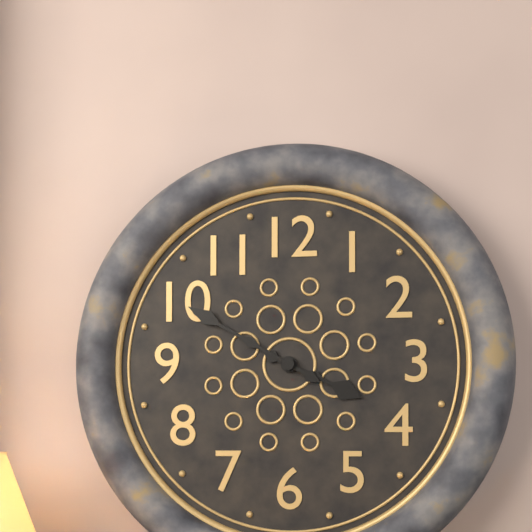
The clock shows 3.50
